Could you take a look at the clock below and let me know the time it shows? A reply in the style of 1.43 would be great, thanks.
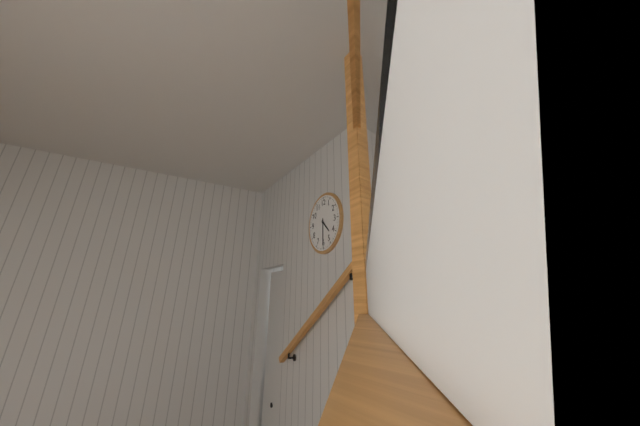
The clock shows 4.30
